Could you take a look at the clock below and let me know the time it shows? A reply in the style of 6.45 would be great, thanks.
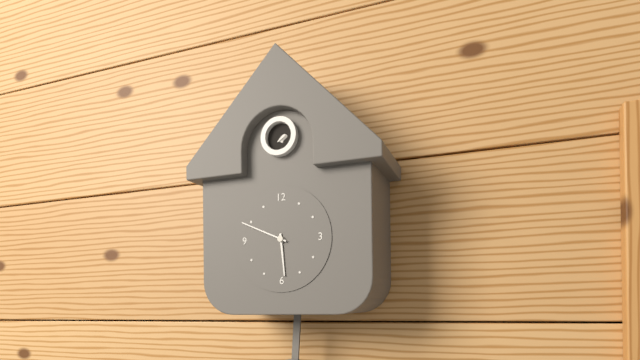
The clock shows 5.49
